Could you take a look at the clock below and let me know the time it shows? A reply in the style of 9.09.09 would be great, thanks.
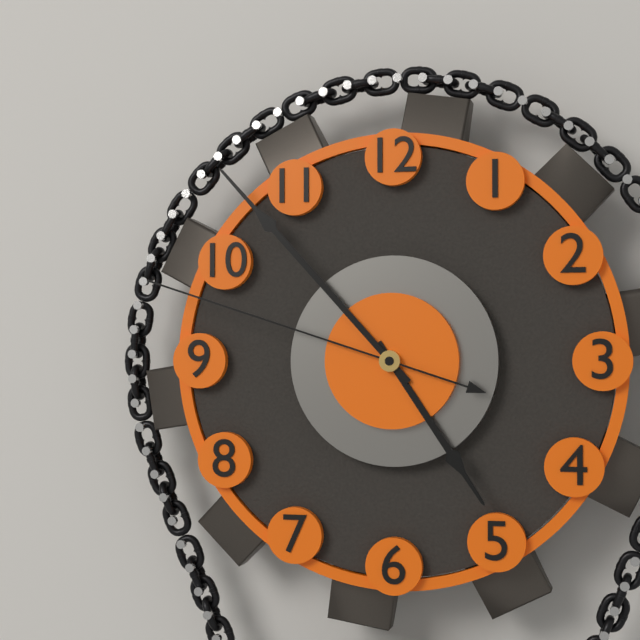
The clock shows 4.53.48
